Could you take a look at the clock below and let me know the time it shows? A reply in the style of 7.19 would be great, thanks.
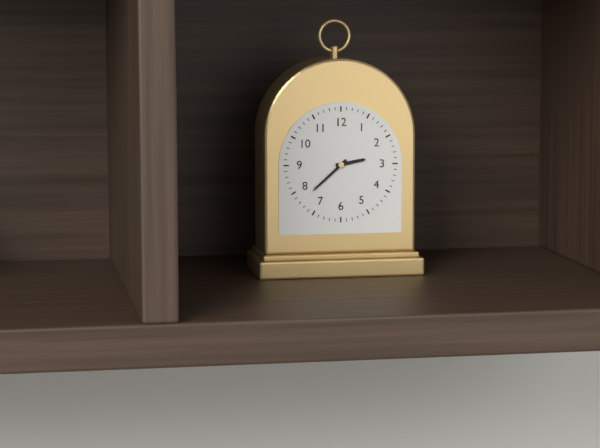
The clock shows 2.38
